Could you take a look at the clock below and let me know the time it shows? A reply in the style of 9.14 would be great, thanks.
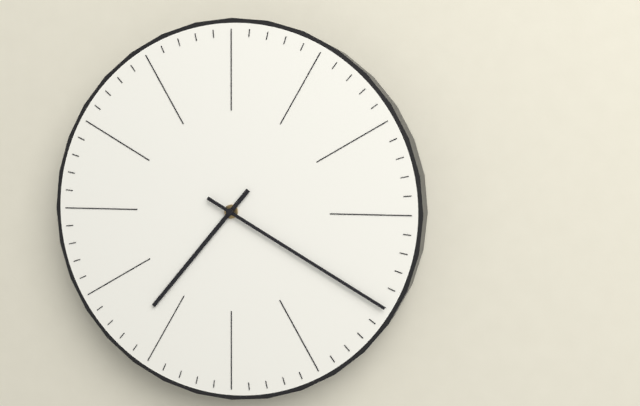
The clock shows 7.20
